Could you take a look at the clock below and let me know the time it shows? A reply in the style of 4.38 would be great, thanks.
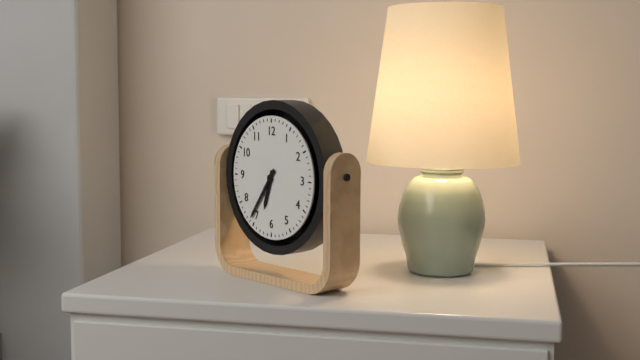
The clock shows 6.36
